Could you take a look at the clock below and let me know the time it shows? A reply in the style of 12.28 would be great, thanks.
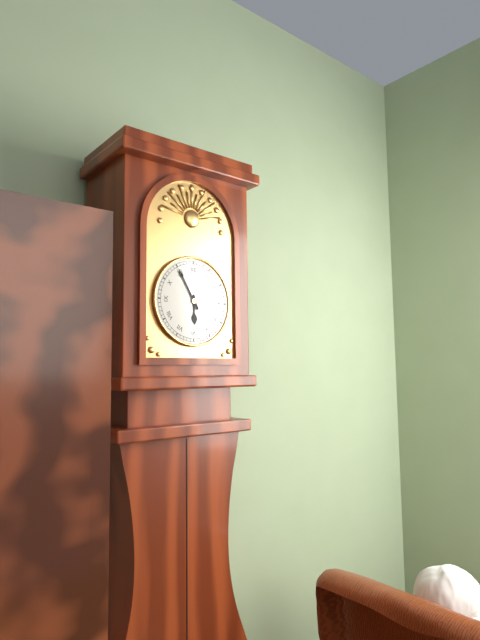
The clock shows 5.55
